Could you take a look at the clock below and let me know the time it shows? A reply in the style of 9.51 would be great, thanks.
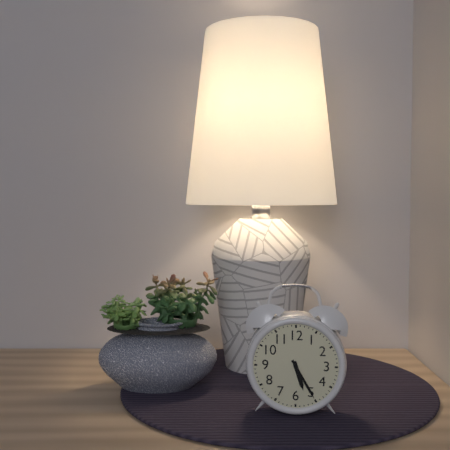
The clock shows 5.25
